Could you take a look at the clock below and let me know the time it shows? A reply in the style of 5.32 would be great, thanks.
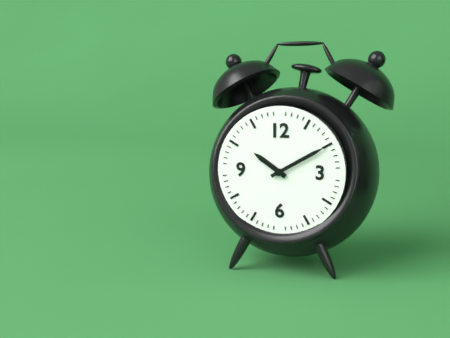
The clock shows 10.10
